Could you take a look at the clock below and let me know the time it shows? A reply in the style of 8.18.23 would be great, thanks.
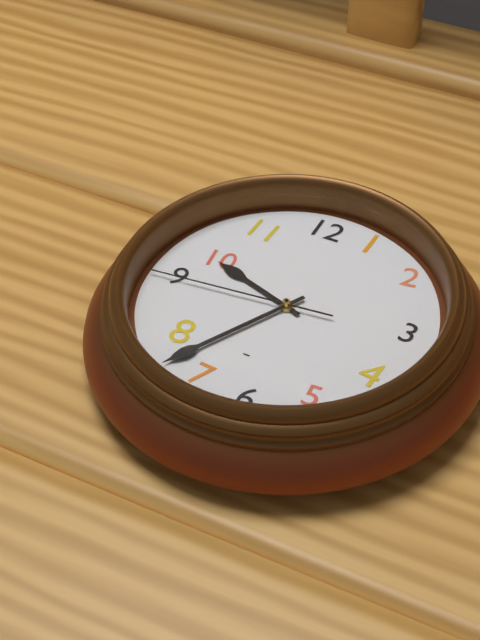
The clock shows 9.35.44
